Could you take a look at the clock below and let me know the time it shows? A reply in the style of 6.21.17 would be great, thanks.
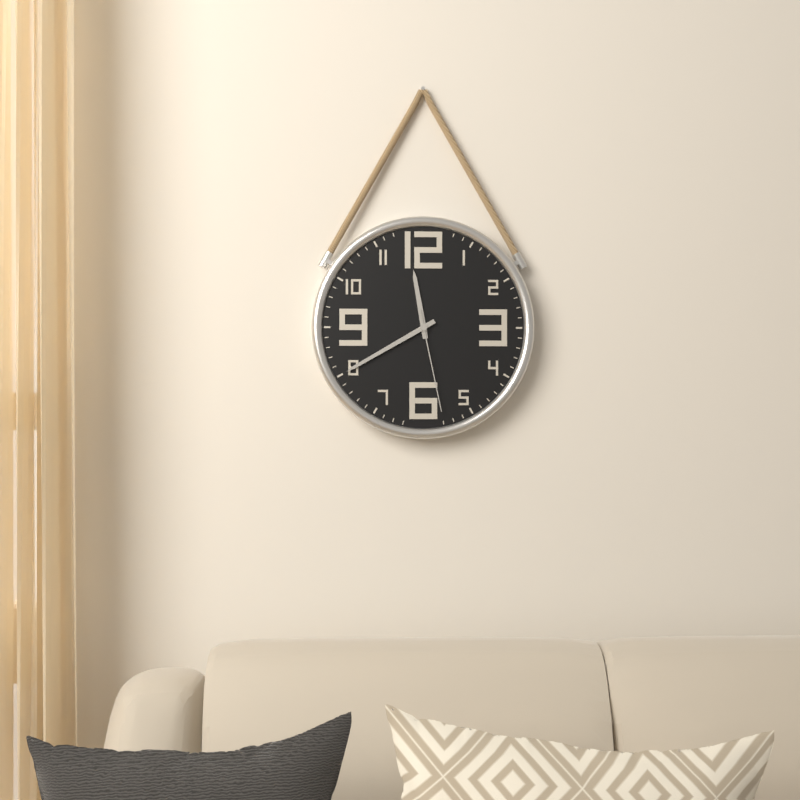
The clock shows 11.40.28
